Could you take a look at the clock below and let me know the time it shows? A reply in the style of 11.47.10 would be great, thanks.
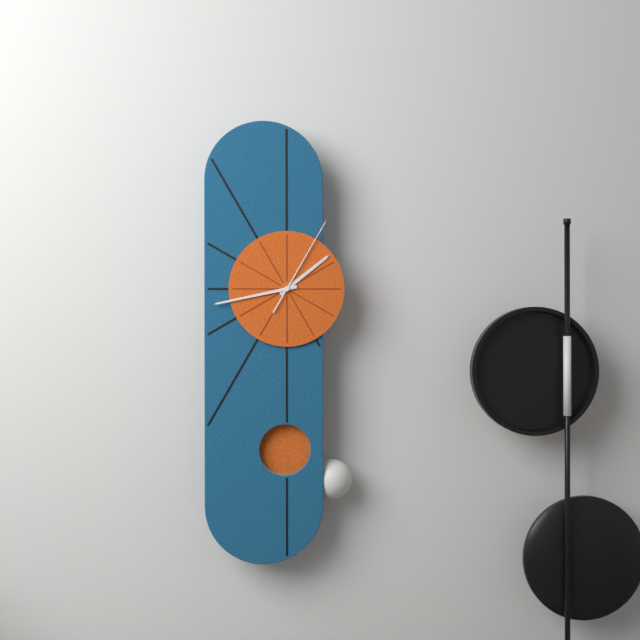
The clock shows 1.43.05
